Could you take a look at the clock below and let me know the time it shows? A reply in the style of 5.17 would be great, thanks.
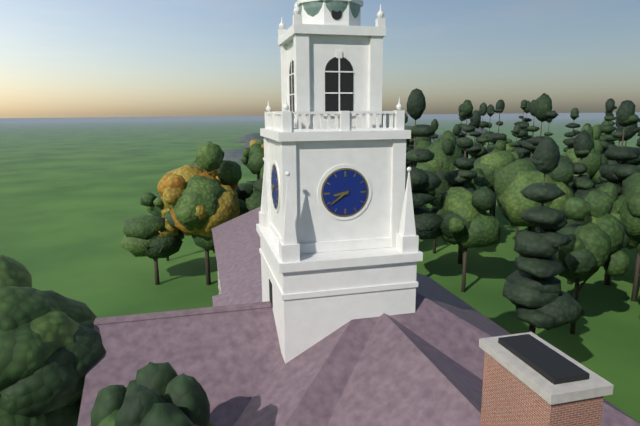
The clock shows 8.39
